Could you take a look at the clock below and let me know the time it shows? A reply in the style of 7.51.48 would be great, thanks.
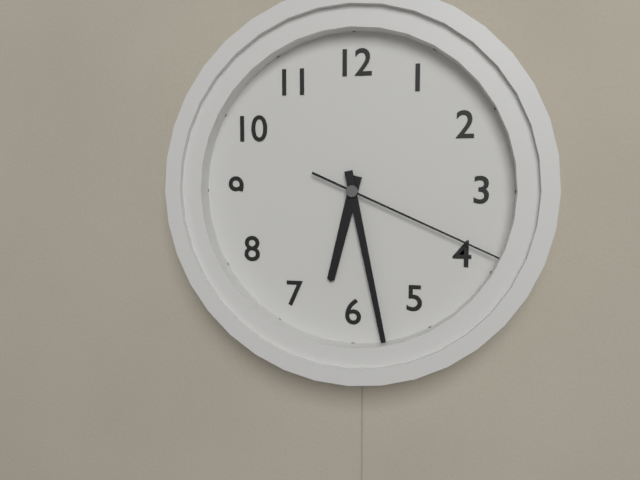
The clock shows 6.28.19
